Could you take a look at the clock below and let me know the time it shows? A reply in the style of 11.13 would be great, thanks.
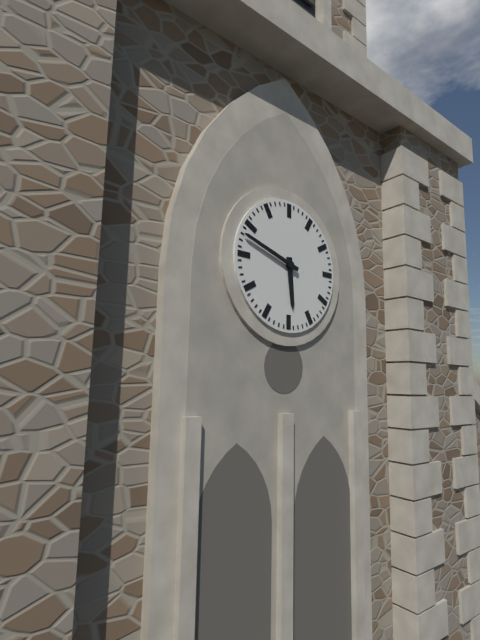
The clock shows 5.48
